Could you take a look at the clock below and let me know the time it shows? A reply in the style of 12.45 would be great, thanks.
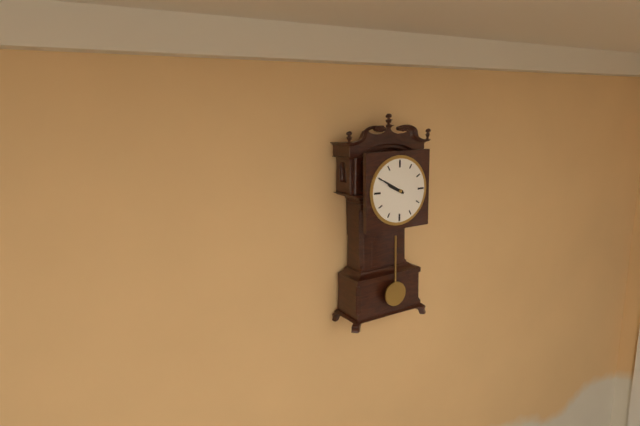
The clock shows 9.50
